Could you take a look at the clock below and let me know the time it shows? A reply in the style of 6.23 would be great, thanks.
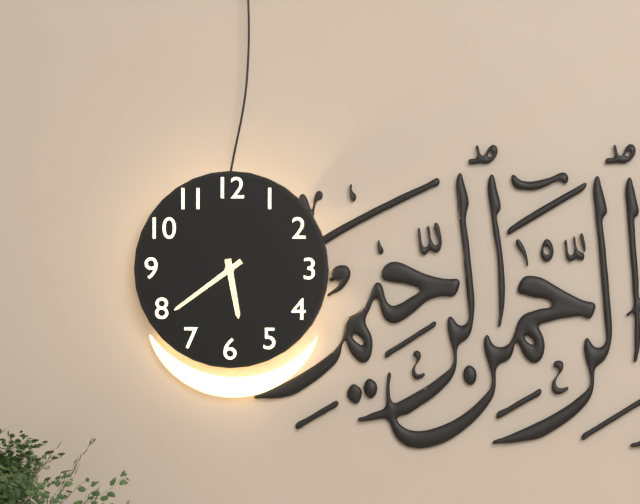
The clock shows 5.39
